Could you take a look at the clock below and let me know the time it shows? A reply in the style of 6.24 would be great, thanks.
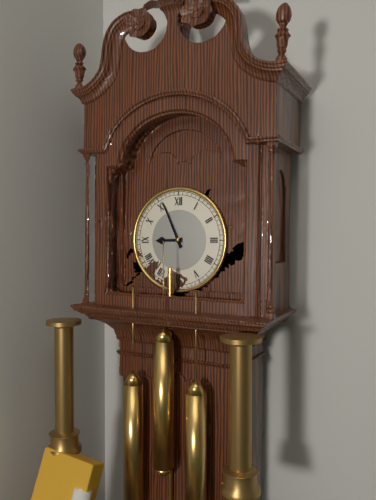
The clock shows 8.56
